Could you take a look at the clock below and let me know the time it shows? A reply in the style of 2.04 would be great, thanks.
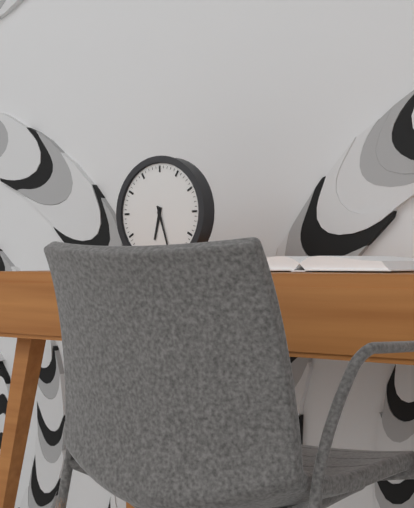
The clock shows 6.27
